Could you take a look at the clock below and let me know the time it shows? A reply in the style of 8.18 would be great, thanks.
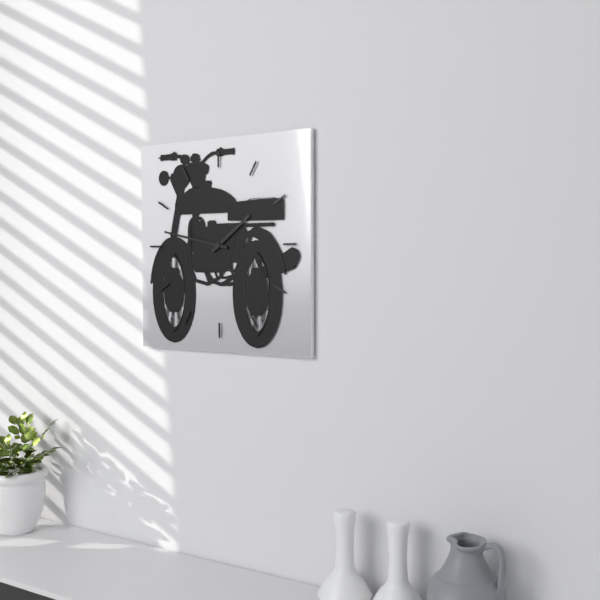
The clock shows 1.47
